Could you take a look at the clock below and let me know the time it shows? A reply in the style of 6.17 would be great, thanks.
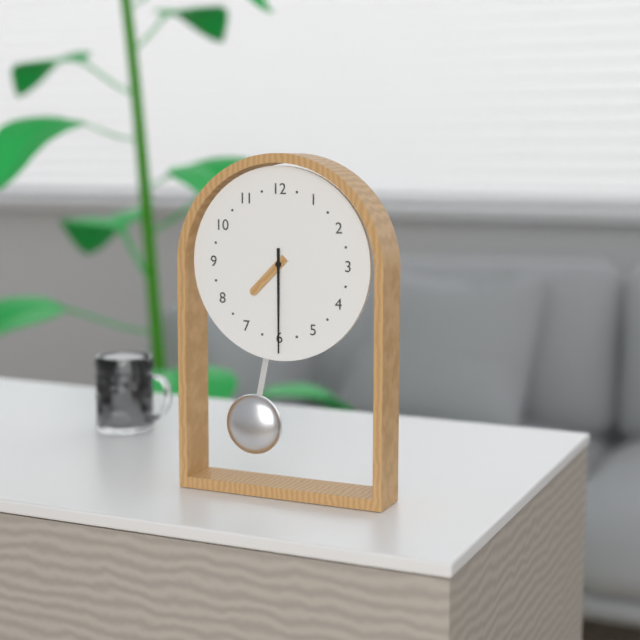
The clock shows 7.30
